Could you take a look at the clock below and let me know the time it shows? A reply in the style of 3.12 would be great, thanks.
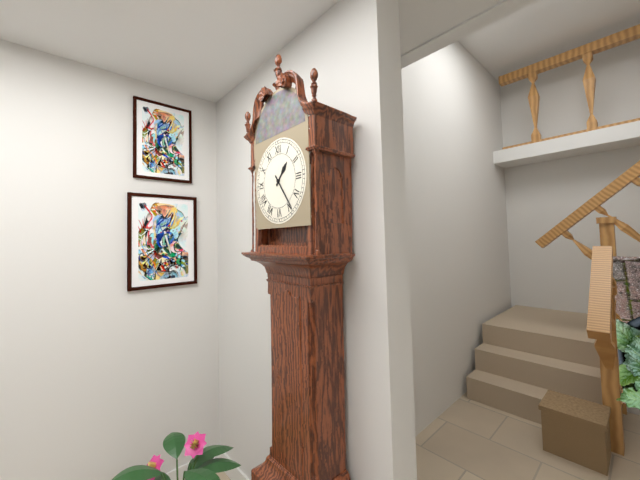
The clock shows 1.24
